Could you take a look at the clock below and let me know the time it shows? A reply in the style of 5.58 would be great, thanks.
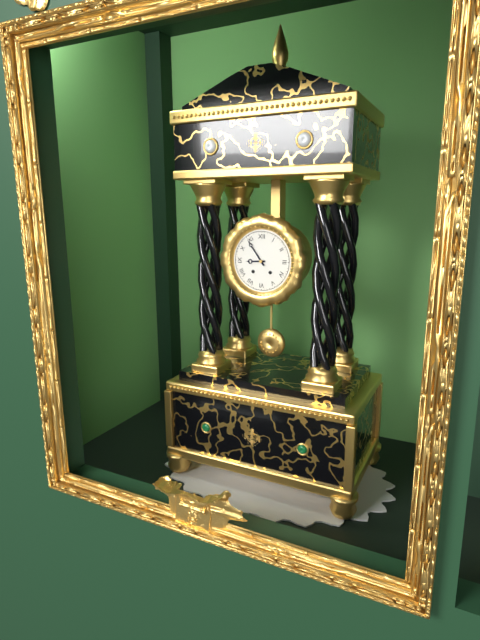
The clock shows 8.54
